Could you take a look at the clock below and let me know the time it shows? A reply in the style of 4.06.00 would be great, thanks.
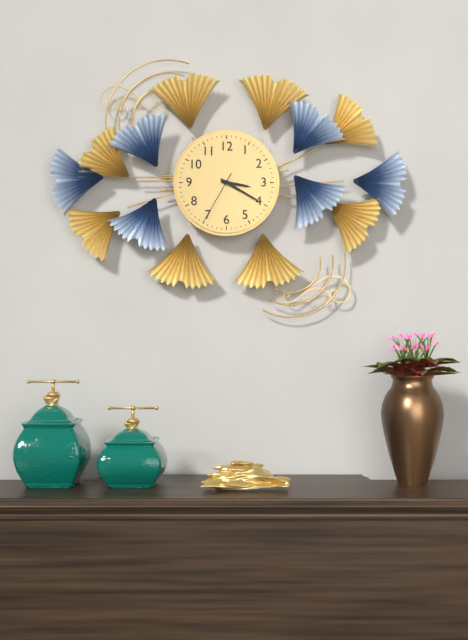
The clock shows 3.20.35
